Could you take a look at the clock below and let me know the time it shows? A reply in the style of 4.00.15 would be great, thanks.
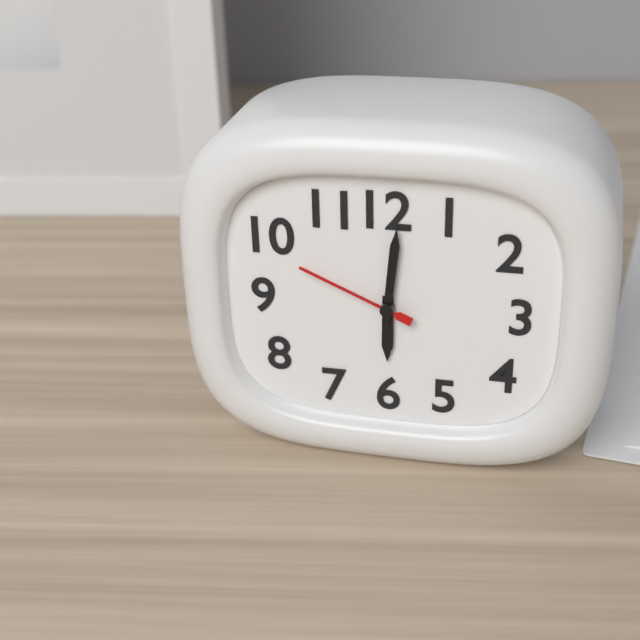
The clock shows 6.01.49
